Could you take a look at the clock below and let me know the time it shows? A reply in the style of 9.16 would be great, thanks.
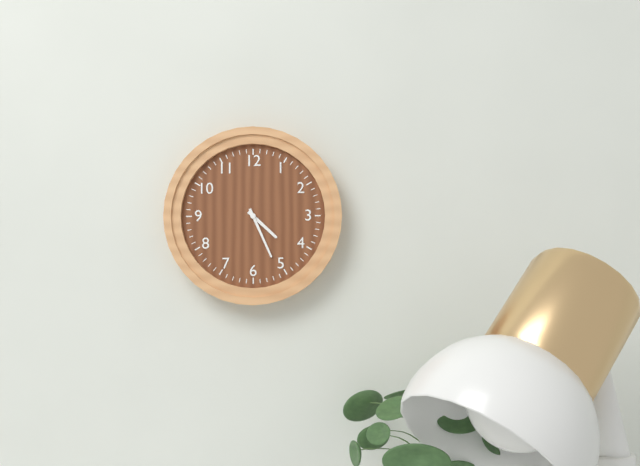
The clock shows 4.26
